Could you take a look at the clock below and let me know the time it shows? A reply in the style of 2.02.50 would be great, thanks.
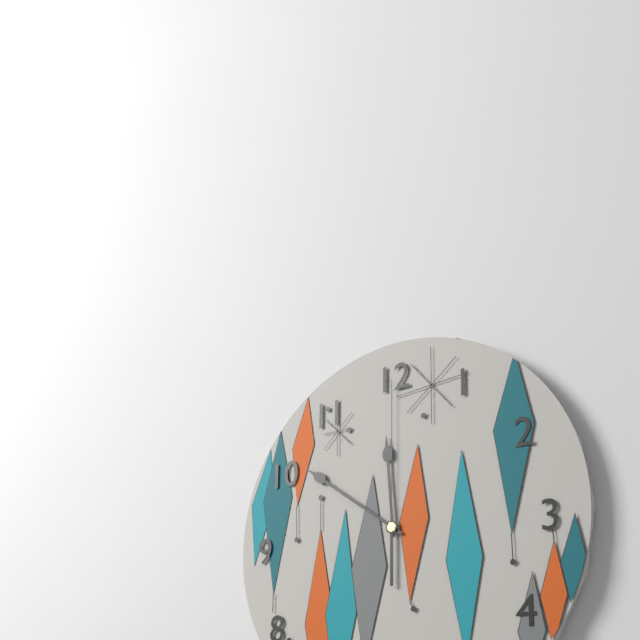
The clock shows 11.51.00
